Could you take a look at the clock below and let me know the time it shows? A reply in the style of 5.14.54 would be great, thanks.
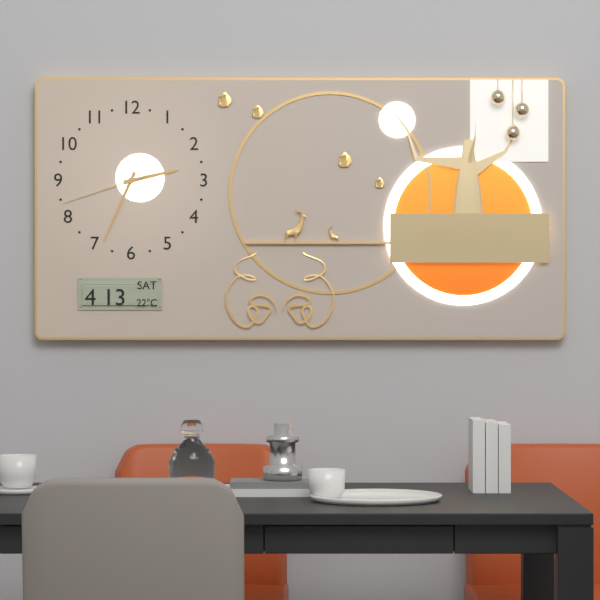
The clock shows 2.34.42
